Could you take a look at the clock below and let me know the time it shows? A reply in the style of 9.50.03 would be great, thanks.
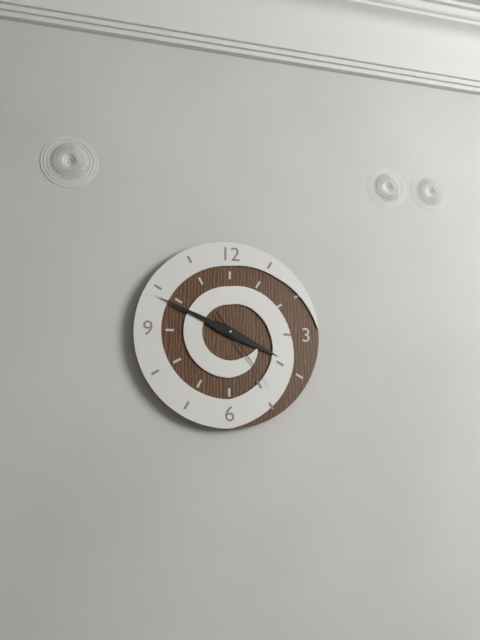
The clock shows 3.49.24
